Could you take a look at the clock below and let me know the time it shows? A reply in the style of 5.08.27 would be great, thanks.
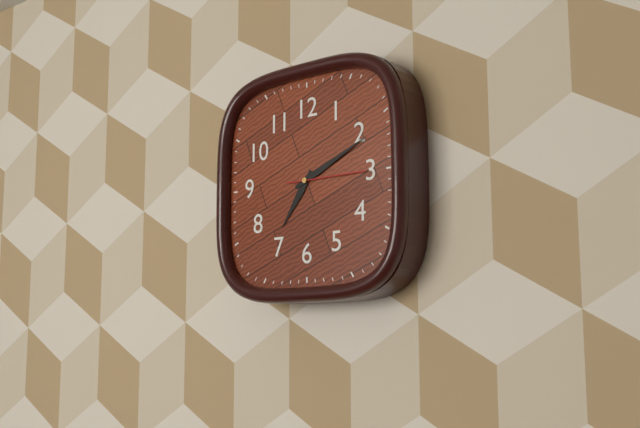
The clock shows 7.11.15
